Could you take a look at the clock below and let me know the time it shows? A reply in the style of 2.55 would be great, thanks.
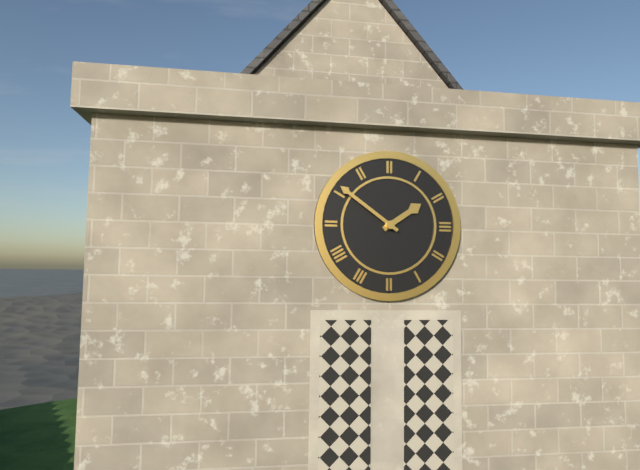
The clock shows 1.51
